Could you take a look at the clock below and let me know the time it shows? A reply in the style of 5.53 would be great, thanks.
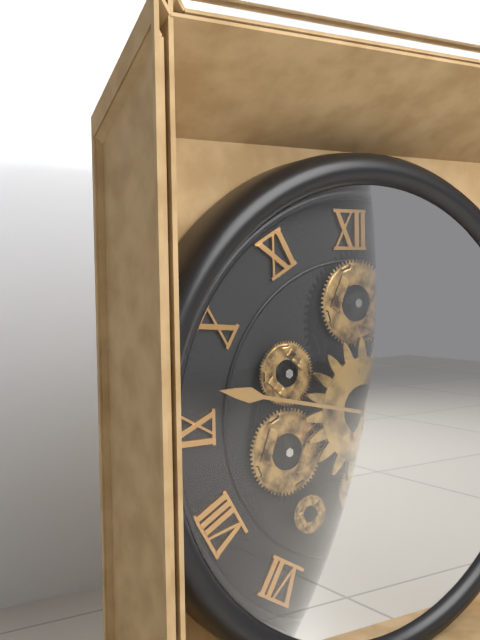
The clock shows 12.47
